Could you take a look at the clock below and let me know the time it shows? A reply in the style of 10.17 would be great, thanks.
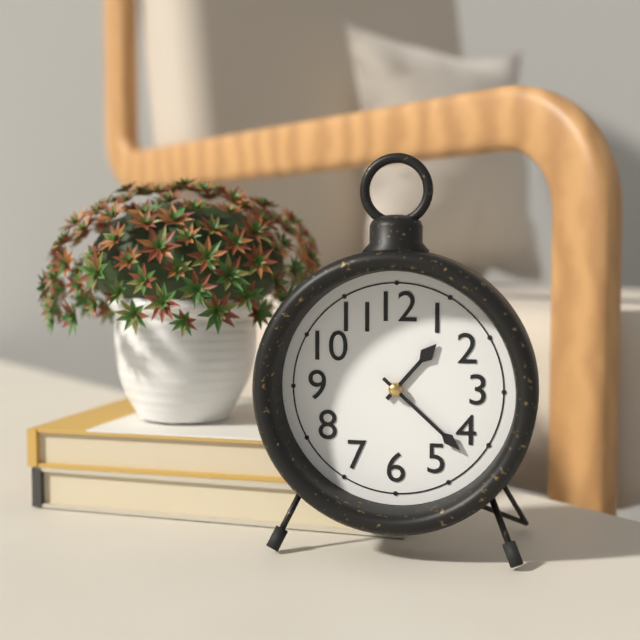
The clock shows 1.22
